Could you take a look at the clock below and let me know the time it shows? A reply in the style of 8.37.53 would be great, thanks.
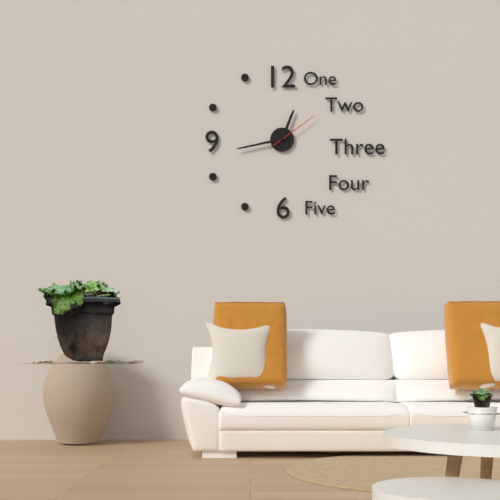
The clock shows 12.43.09
